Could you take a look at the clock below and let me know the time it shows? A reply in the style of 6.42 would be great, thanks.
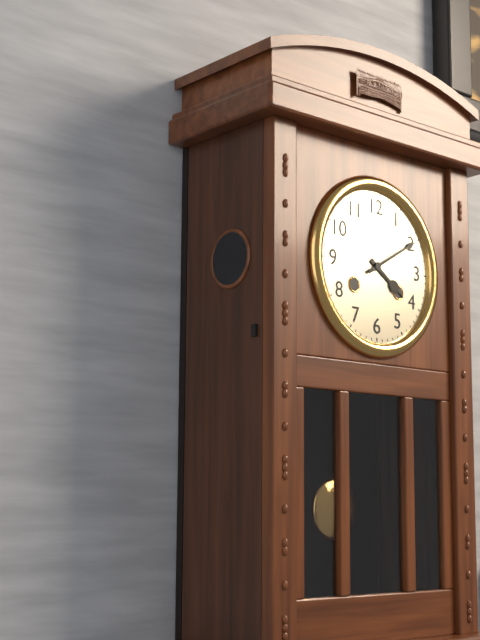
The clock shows 4.10
